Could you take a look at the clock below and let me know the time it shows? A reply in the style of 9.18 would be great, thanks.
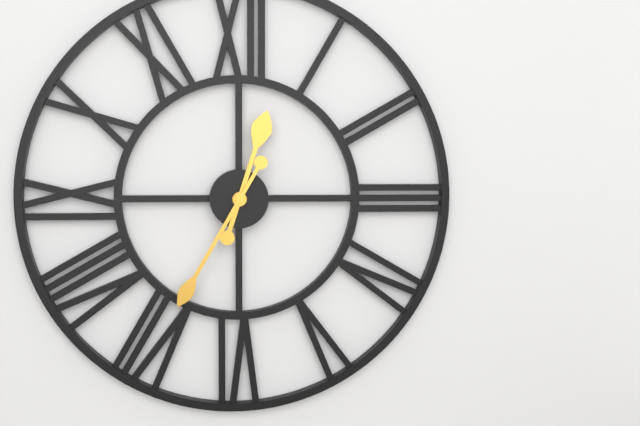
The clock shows 12.35
